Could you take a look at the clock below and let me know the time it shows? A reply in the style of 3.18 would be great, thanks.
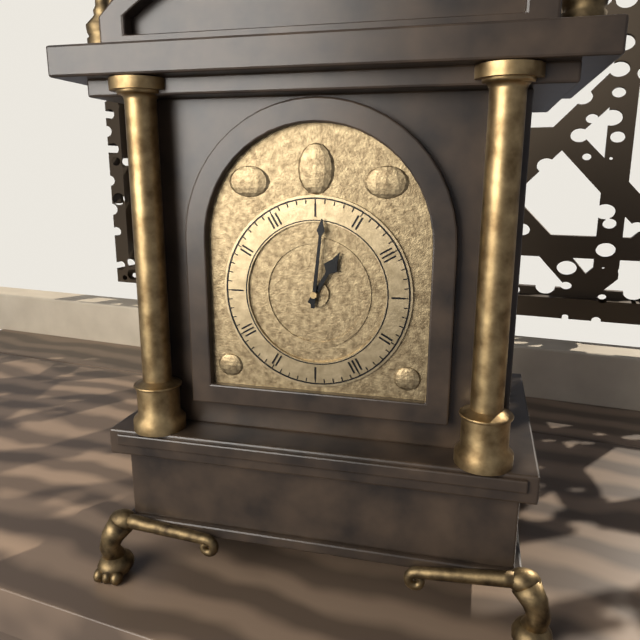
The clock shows 1.01
